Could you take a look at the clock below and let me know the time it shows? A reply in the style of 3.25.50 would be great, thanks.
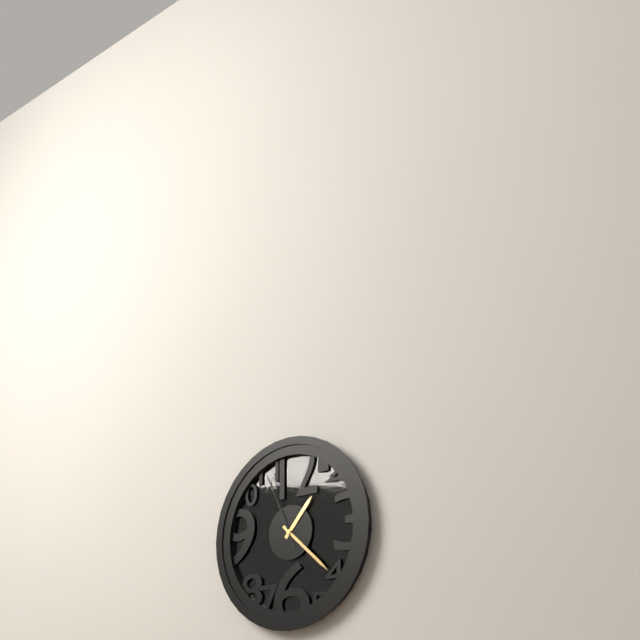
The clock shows 1.22.56
